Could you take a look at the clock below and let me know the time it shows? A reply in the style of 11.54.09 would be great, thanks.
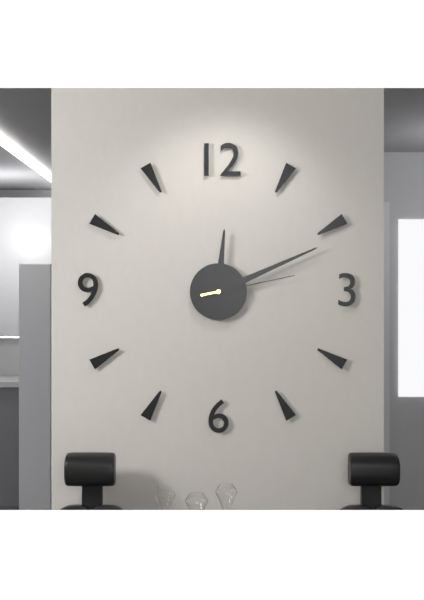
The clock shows 12.11.13
